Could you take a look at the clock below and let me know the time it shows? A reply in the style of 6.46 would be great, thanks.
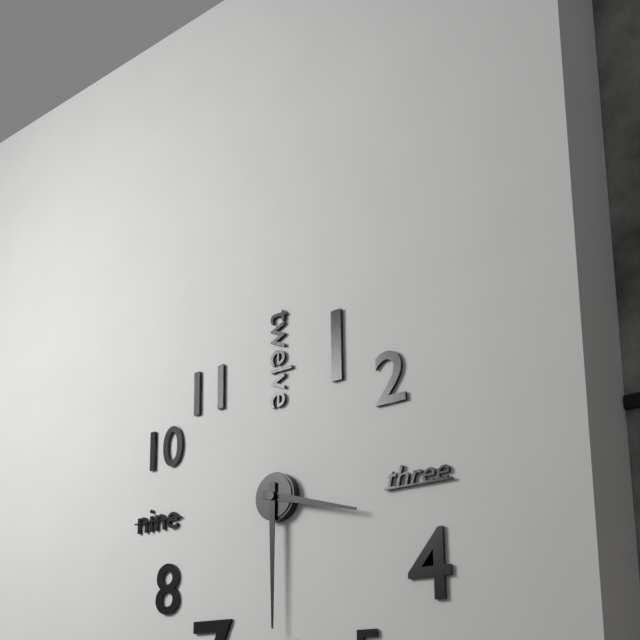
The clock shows 3.30
